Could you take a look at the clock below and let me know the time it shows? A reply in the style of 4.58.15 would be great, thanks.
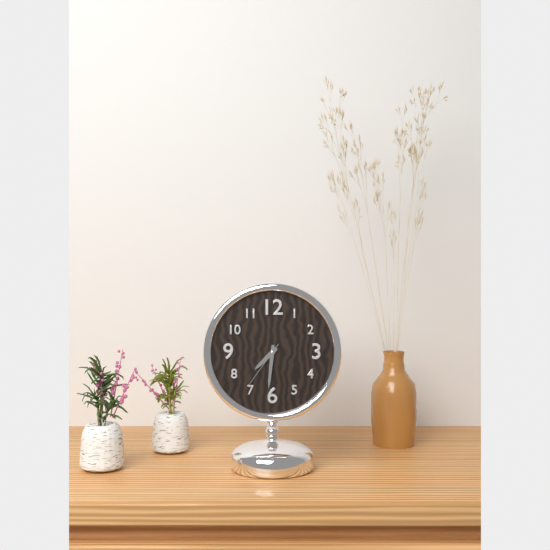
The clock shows 7.31.36
